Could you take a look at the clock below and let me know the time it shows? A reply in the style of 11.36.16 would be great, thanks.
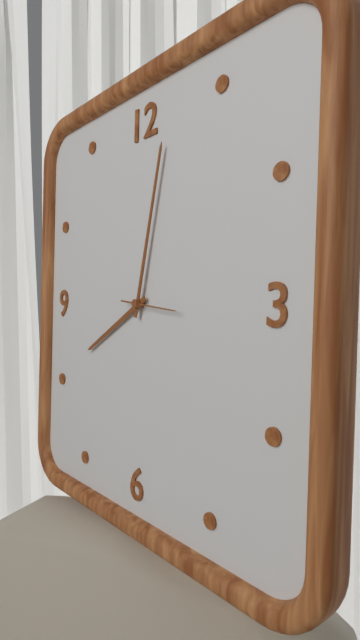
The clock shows 8.02.16
